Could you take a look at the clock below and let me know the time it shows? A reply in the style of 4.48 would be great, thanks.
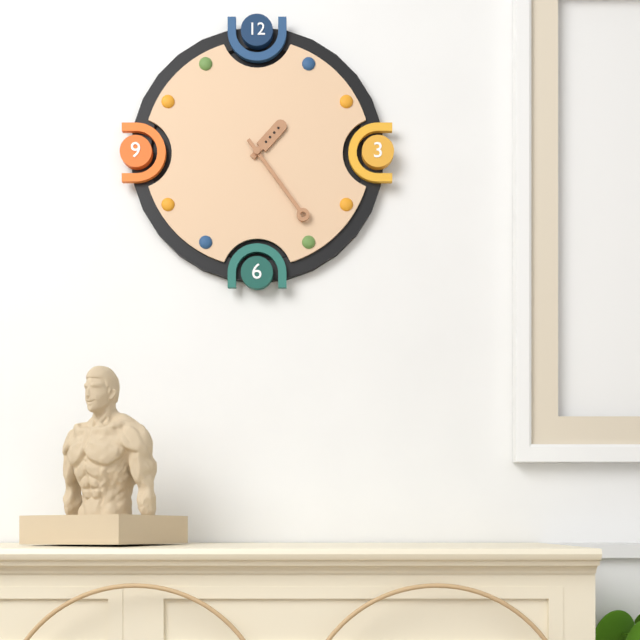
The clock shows 1.24
